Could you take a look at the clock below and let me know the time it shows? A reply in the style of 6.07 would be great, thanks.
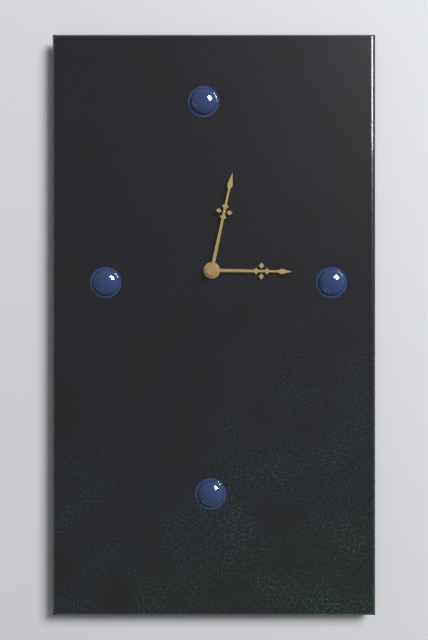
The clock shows 3.02
